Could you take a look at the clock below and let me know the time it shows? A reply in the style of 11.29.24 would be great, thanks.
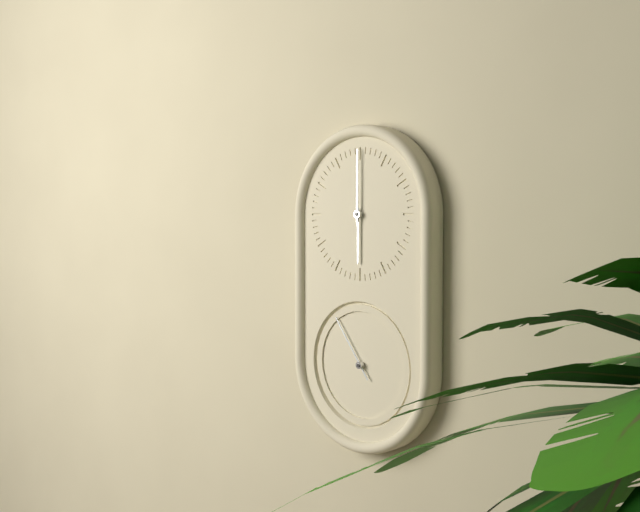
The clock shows 6.00.54
